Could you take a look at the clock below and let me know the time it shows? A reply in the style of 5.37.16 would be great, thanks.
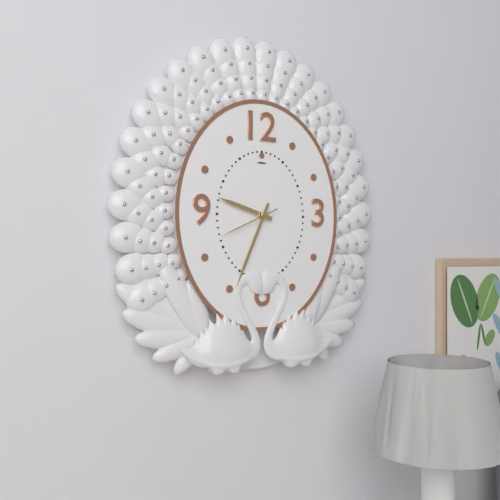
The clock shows 9.34.41
